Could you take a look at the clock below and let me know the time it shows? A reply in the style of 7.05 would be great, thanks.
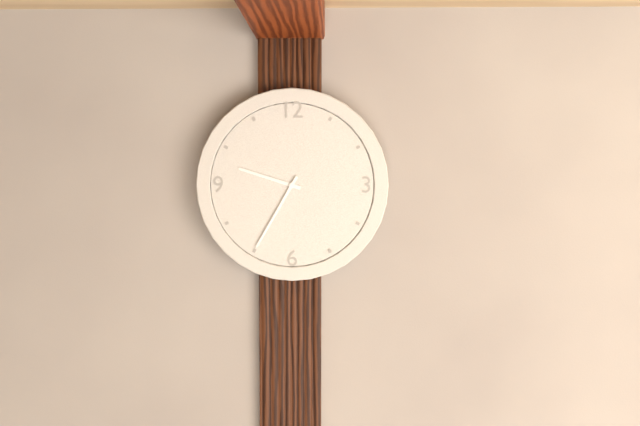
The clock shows 9.35
